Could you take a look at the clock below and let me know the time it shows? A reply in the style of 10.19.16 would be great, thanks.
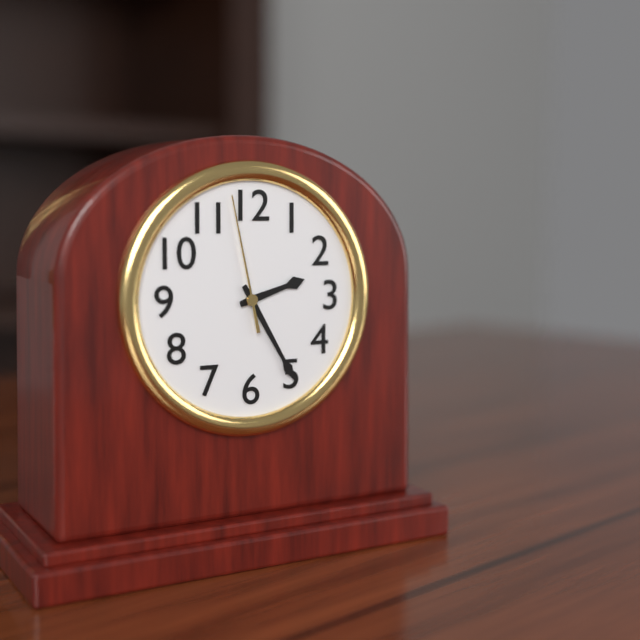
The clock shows 2.25.58
